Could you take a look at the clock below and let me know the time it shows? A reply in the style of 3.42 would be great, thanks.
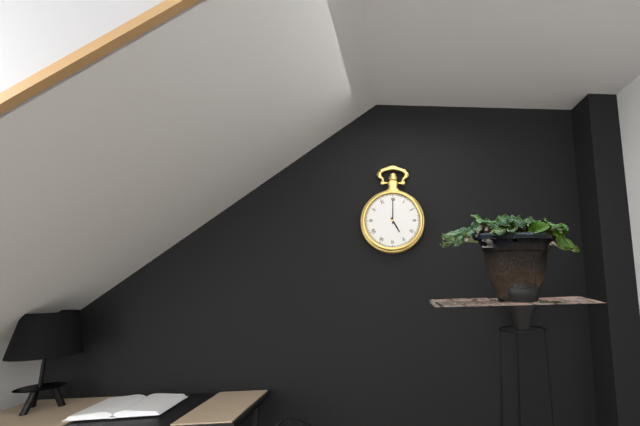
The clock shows 5.00
